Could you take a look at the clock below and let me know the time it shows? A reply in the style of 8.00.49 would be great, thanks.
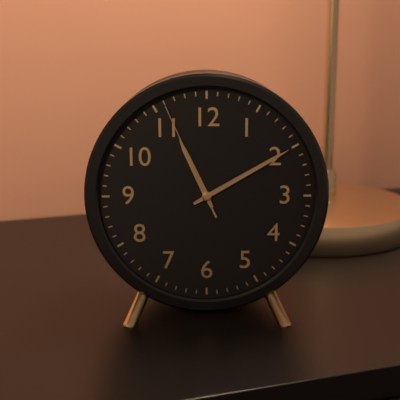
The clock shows 11.10.56
